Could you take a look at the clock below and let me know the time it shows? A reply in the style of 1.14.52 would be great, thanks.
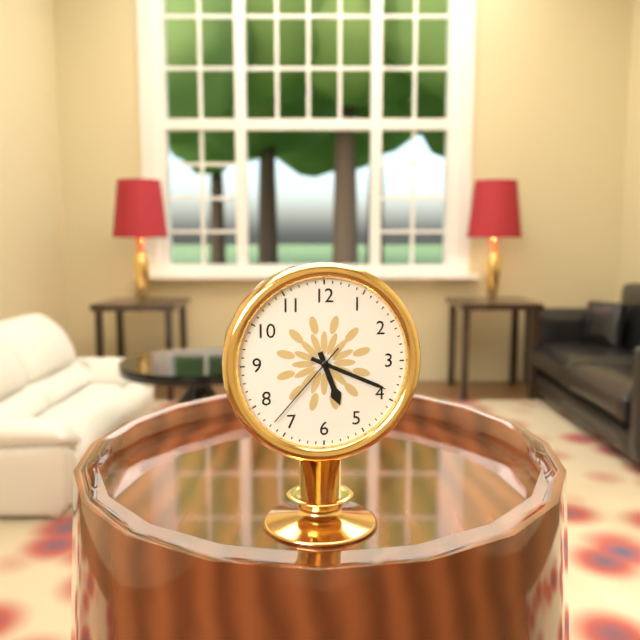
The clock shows 5.19.37
